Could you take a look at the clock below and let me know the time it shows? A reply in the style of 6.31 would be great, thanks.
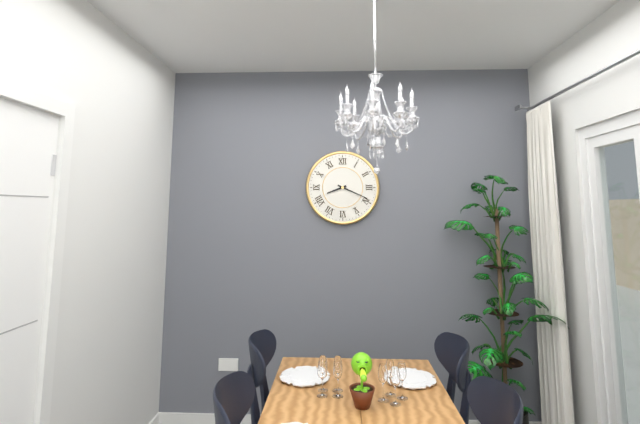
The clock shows 8.19
